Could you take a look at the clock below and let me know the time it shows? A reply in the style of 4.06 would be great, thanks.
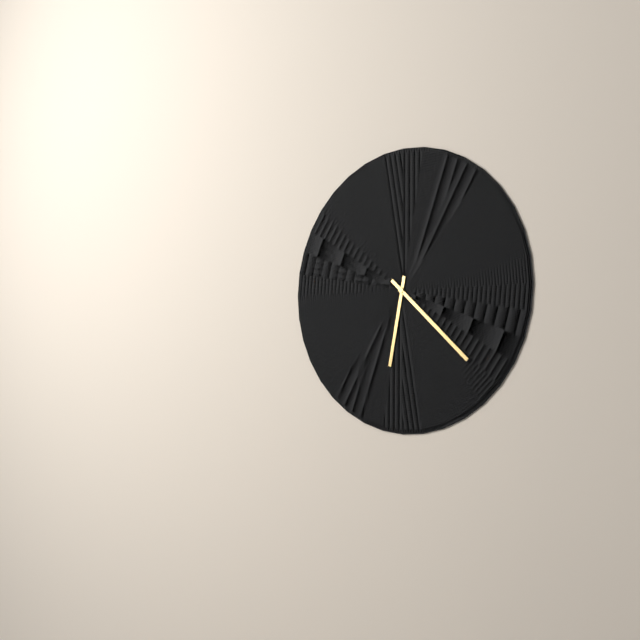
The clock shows 6.22
